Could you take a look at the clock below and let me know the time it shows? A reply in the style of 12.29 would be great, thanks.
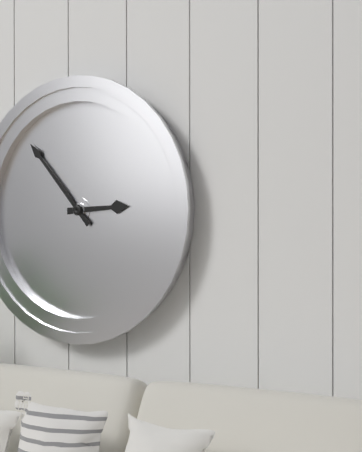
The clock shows 2.53
